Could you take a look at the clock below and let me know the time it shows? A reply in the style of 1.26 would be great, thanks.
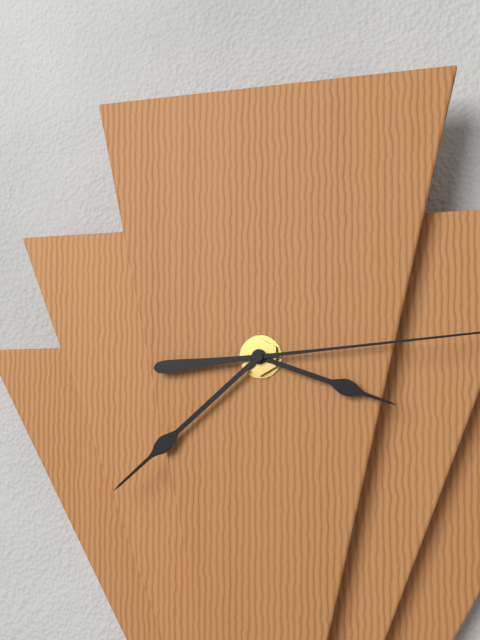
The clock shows 3.38
